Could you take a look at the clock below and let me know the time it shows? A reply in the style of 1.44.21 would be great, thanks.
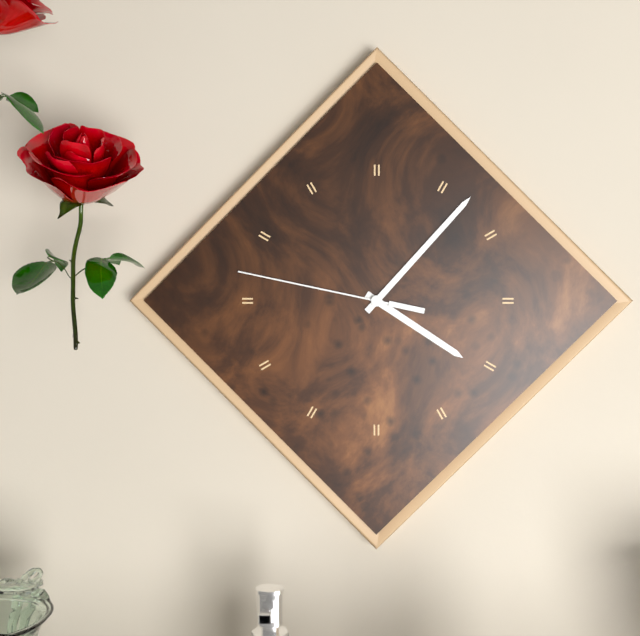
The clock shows 4.07.47
